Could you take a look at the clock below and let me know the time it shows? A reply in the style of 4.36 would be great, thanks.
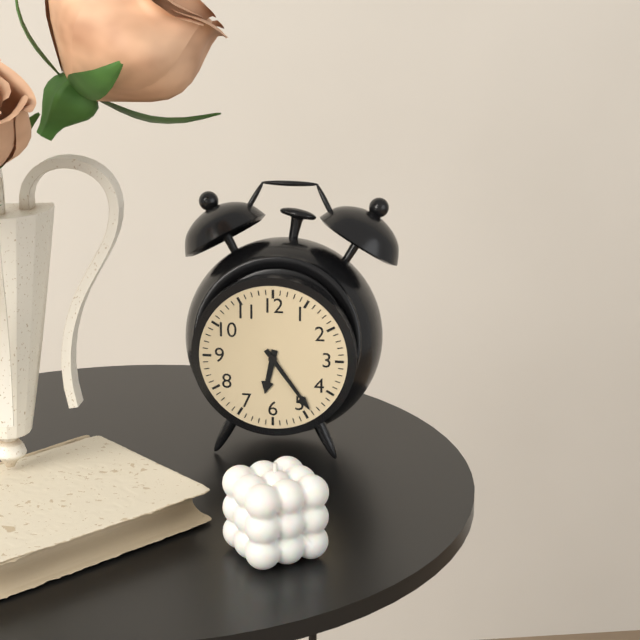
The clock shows 6.24
